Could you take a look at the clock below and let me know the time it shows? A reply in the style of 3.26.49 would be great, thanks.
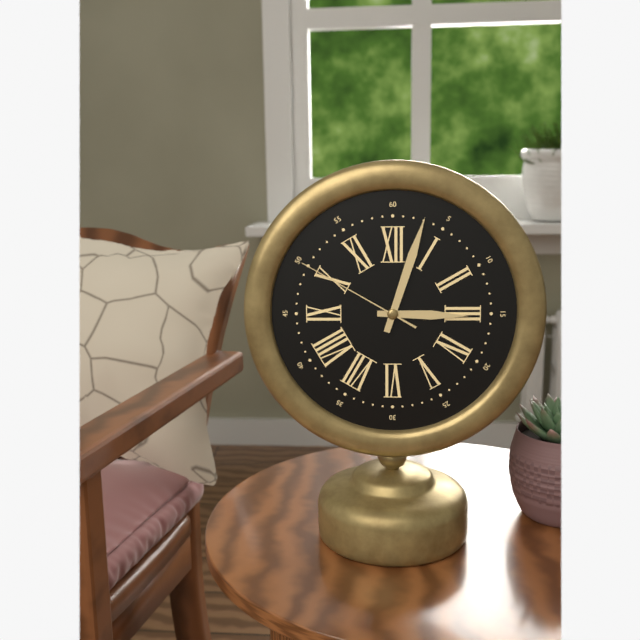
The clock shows 3.03.50
